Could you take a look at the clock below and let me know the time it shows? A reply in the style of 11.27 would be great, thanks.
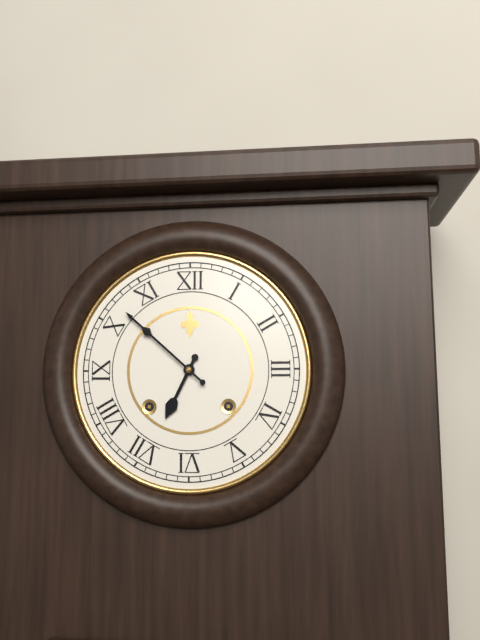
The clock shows 6.52
